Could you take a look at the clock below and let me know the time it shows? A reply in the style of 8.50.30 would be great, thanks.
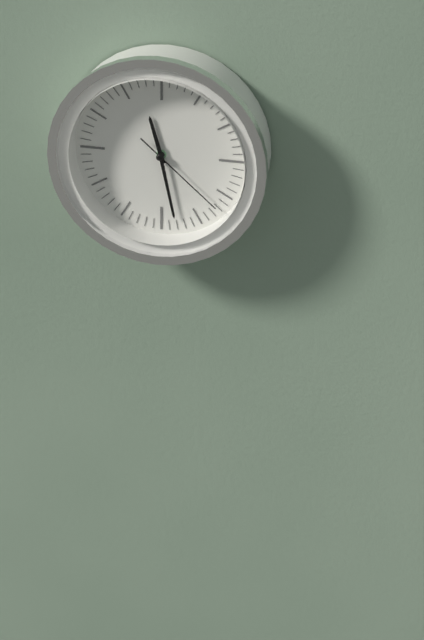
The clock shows 11.28.22
